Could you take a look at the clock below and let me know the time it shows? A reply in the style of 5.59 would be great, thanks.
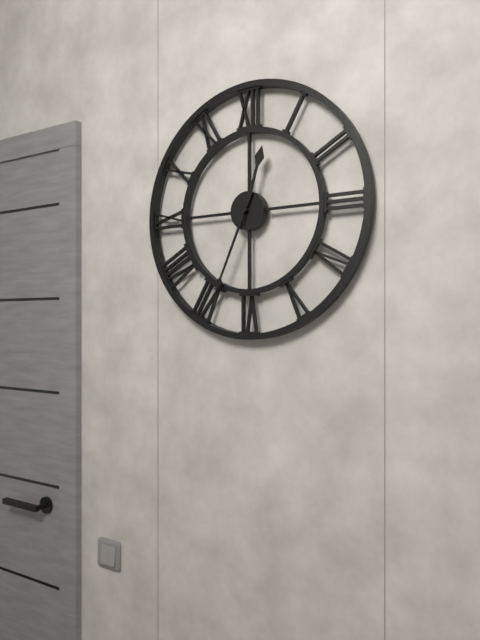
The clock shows 12.34
